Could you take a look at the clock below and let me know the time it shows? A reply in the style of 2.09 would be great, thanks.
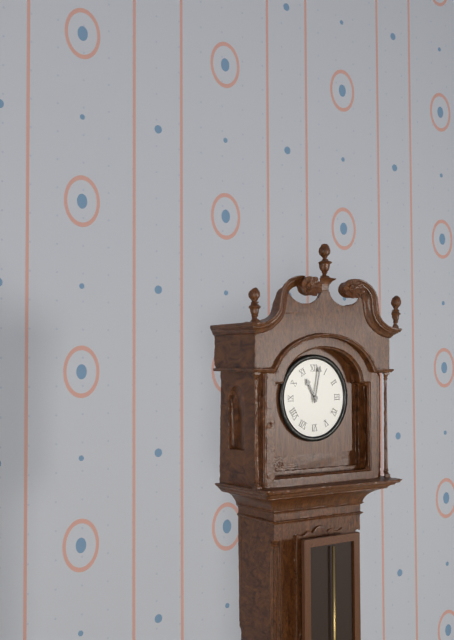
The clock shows 11.02
